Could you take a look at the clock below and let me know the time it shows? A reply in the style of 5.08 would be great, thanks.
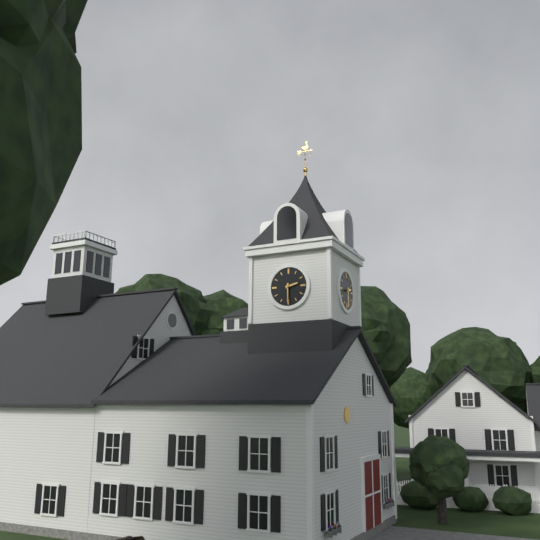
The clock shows 2.30
